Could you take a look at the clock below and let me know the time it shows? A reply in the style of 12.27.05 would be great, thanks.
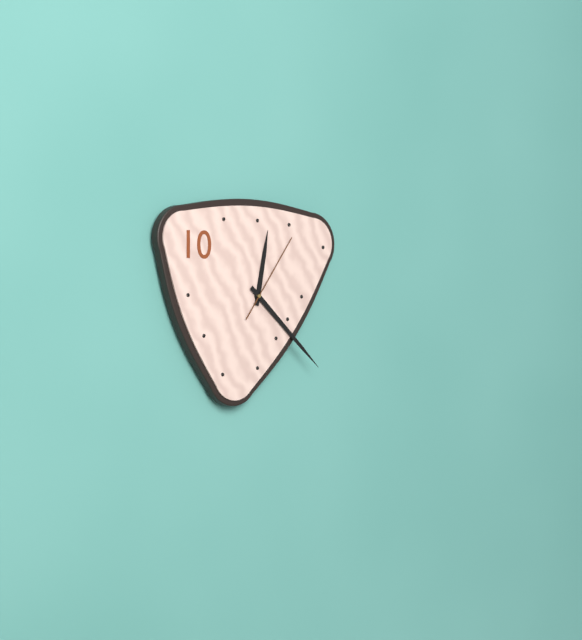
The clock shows 12.22.06
